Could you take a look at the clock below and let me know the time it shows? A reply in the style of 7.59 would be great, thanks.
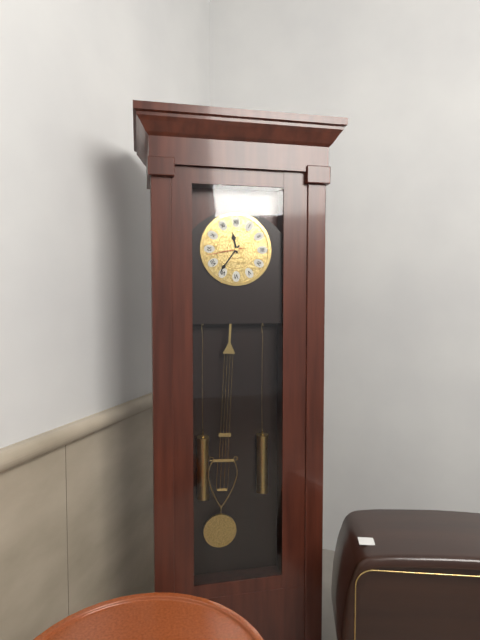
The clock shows 11.36
